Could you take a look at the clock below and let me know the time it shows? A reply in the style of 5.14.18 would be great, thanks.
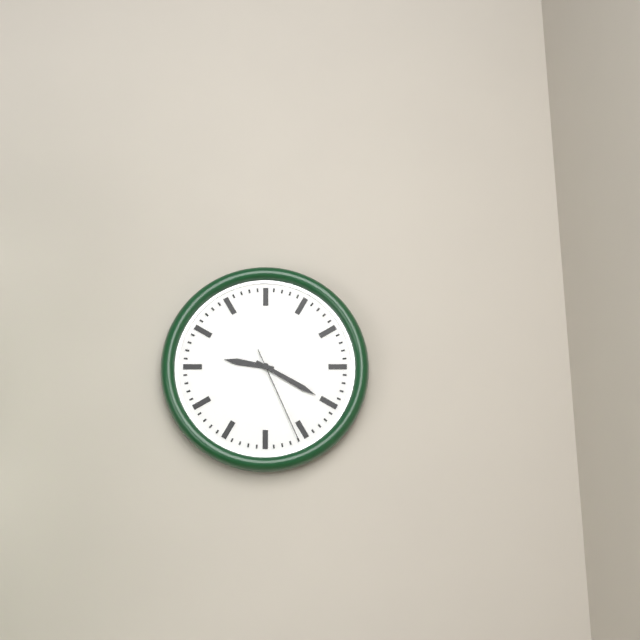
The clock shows 9.20.26
